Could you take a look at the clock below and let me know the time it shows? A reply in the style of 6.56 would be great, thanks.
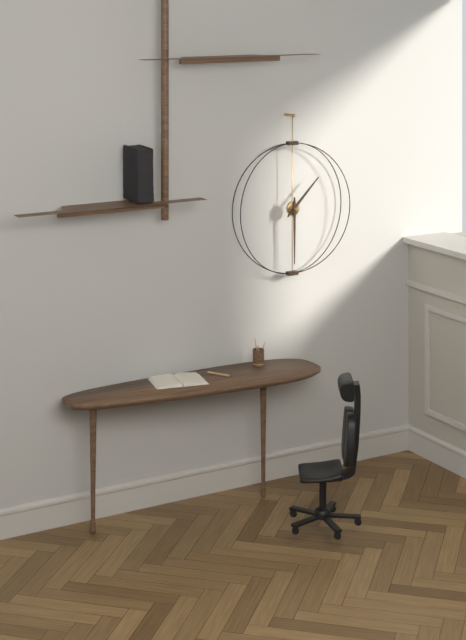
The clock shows 1.30
